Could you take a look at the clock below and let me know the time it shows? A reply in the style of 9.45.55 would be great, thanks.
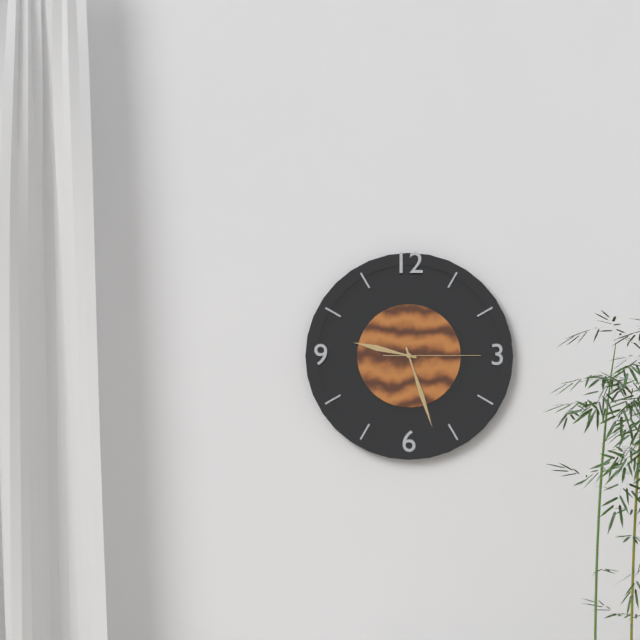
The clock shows 9.27.15
